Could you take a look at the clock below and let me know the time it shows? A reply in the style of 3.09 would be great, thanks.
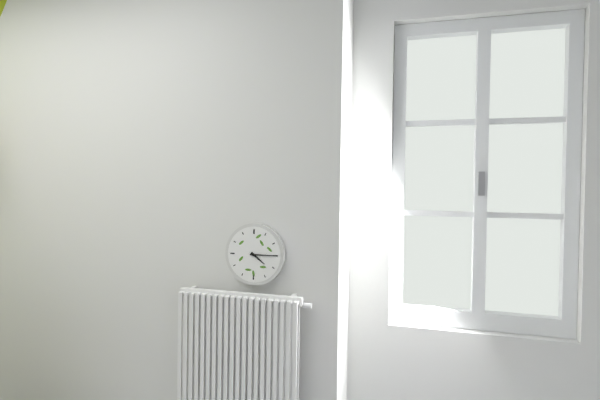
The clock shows 4.15
